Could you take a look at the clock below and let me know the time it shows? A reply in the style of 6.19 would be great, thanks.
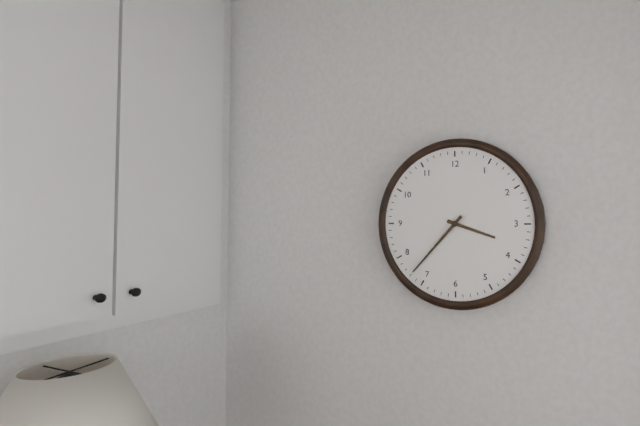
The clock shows 3.37
